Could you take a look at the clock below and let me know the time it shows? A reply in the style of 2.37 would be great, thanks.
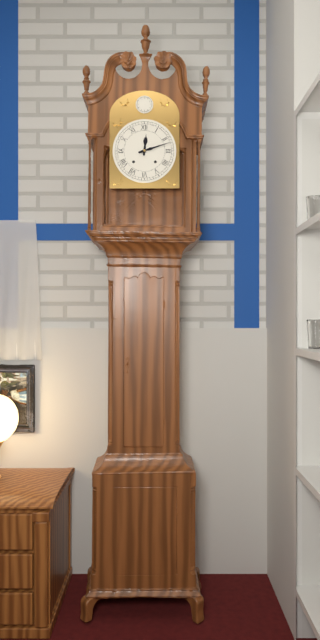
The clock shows 12.12
